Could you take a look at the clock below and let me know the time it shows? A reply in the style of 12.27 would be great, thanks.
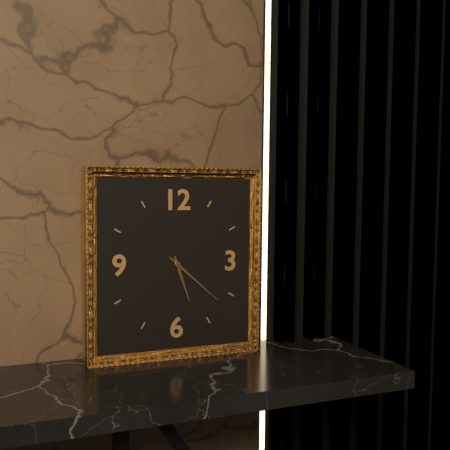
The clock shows 5.22
